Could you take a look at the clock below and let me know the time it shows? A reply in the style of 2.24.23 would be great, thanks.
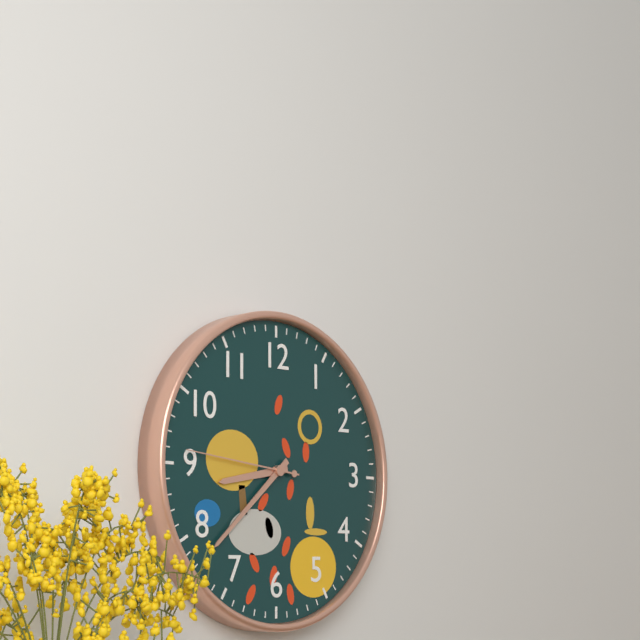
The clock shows 8.38.46
